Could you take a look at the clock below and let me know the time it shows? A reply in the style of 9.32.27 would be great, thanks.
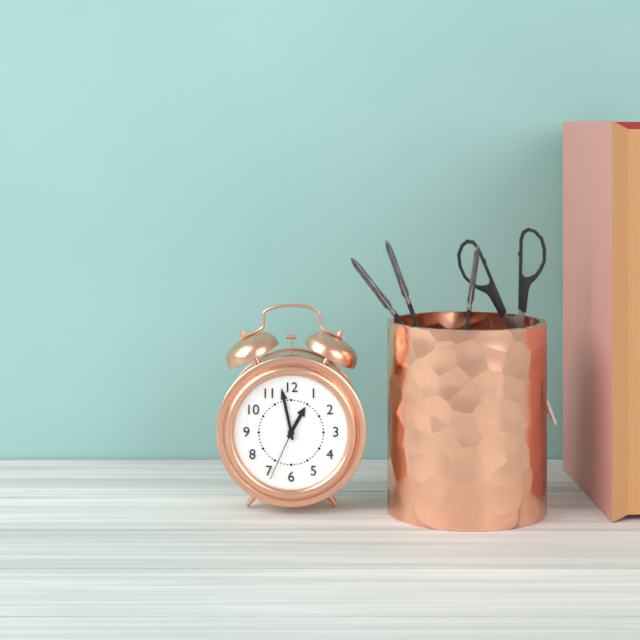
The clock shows 12.58.34
